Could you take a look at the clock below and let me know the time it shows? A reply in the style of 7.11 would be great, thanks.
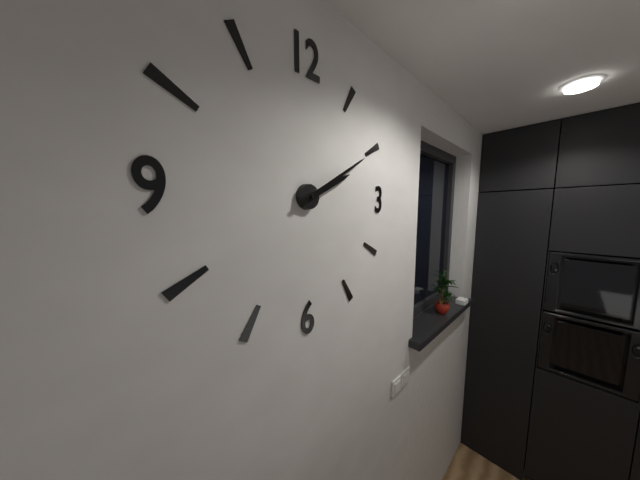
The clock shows 2.10
